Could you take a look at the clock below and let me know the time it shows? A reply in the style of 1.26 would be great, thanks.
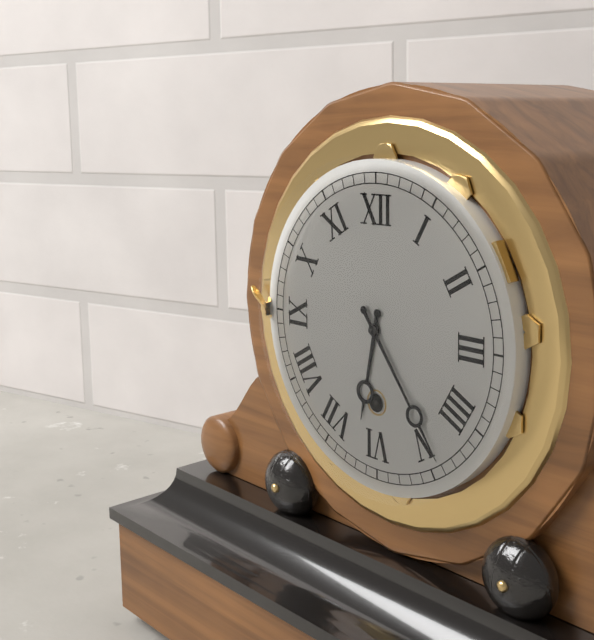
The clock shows 6.24
